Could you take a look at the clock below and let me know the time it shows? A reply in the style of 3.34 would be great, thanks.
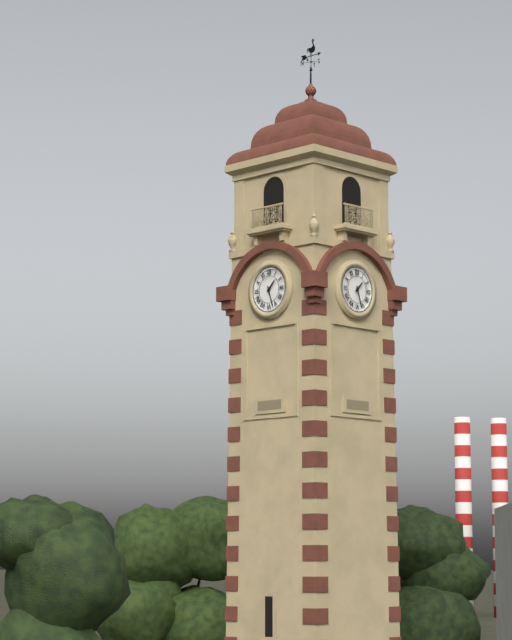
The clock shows 1.27
